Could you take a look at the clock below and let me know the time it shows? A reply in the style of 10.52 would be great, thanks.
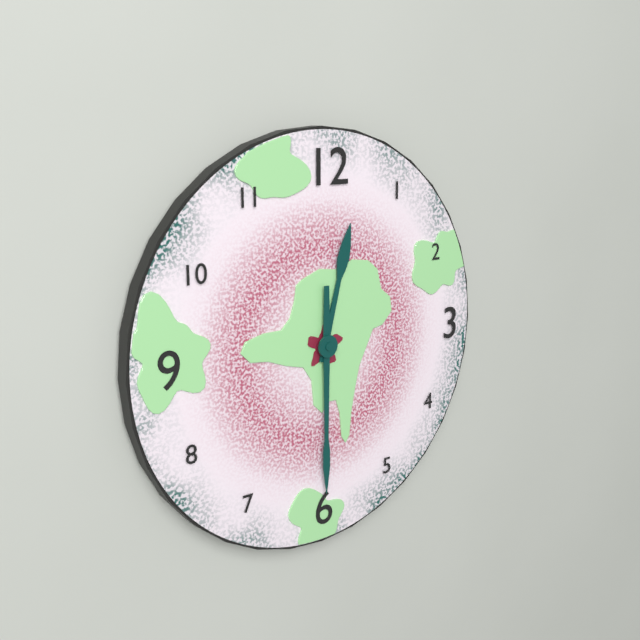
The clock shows 12.30
